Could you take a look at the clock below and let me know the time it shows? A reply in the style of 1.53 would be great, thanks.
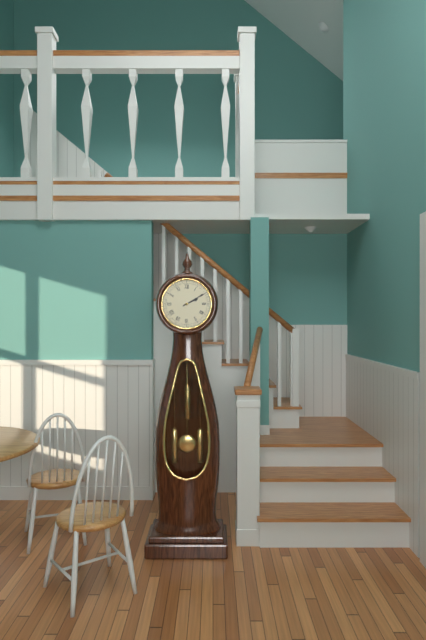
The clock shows 2.10
